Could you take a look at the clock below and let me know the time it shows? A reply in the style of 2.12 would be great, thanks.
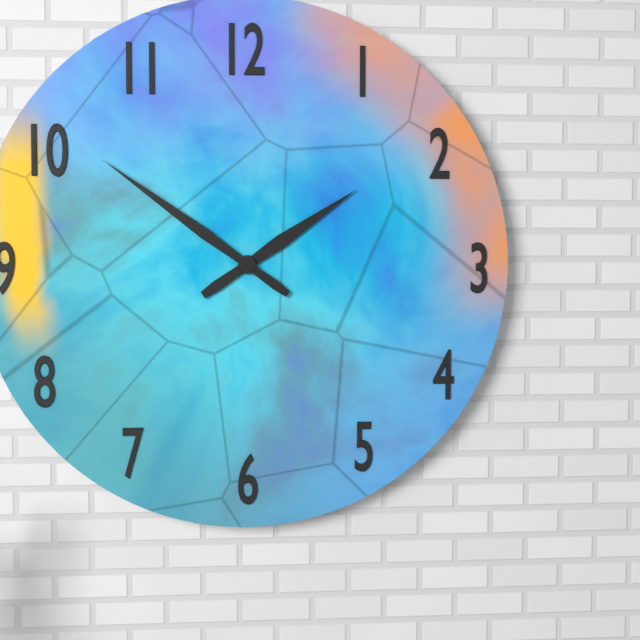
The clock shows 1.51
